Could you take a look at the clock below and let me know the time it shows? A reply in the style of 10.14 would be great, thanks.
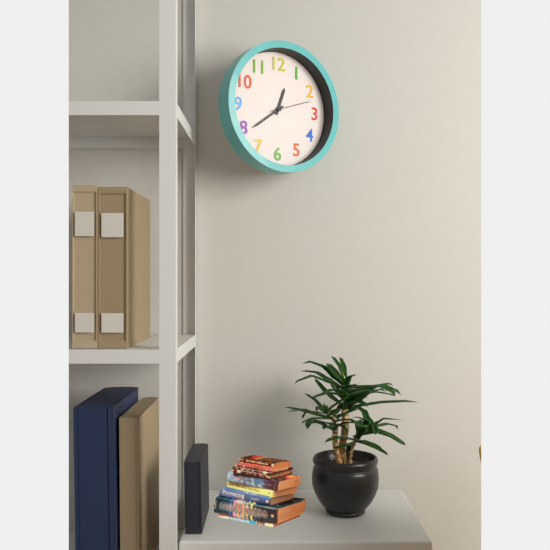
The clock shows 12.39
